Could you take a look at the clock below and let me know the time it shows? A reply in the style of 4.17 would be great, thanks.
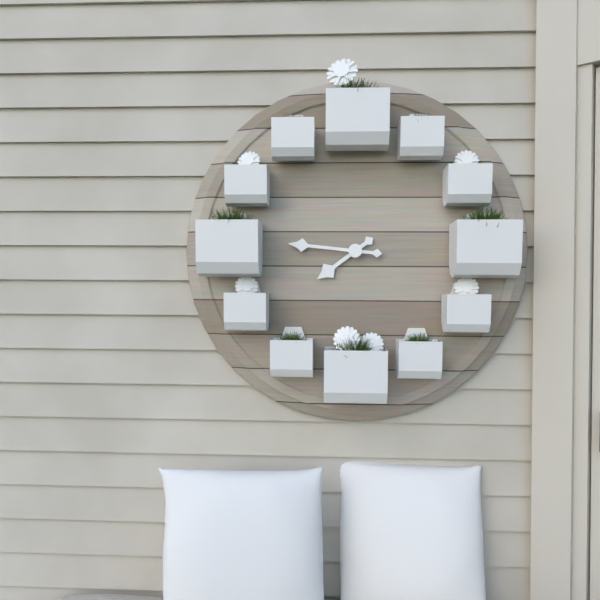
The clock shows 7.46
